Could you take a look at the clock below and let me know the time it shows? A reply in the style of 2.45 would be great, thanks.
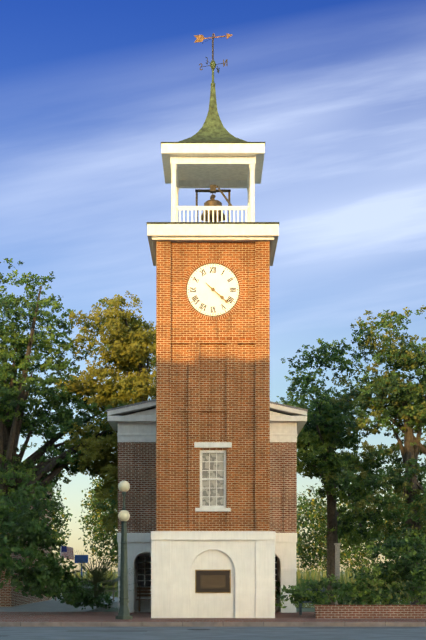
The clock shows 4.22
